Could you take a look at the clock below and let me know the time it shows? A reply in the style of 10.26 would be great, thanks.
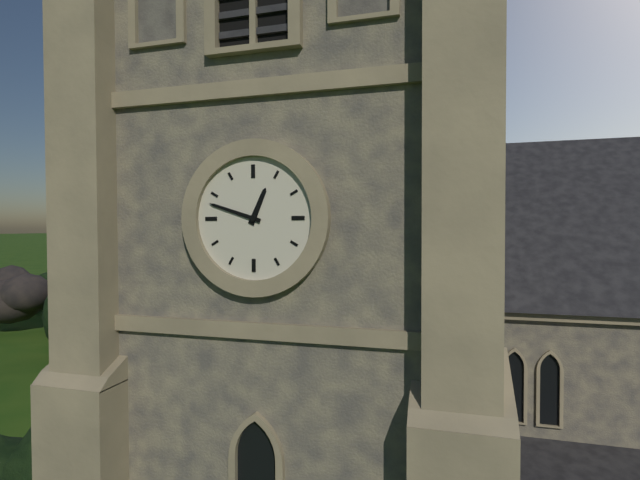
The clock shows 12.48
